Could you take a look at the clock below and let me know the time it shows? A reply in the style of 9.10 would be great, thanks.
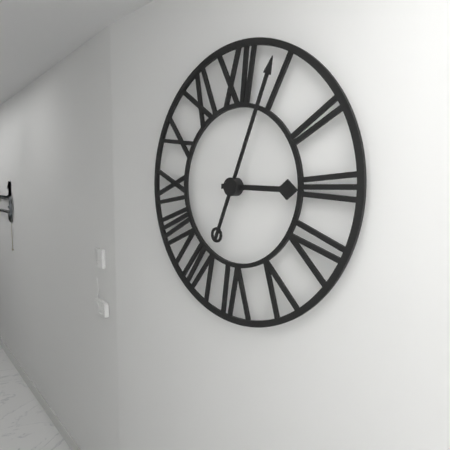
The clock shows 3.04
